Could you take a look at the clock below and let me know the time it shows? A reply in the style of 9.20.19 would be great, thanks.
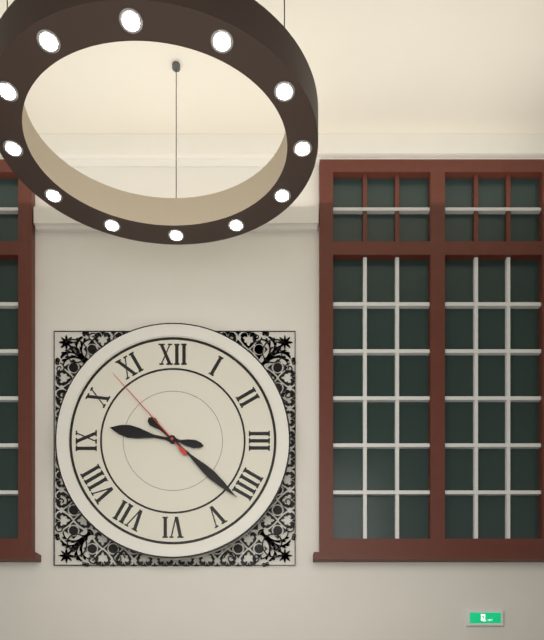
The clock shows 9.22.53
